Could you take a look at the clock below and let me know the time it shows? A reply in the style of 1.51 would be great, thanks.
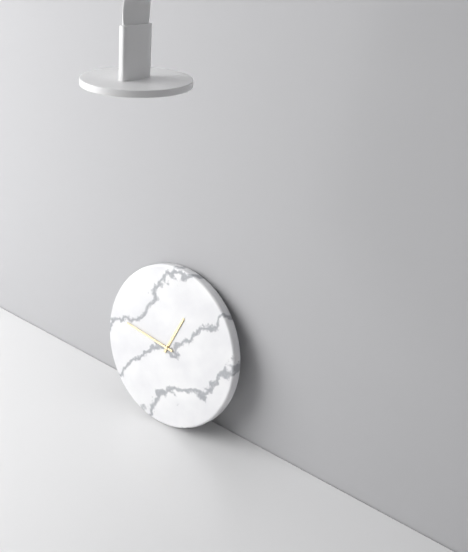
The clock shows 12.46
